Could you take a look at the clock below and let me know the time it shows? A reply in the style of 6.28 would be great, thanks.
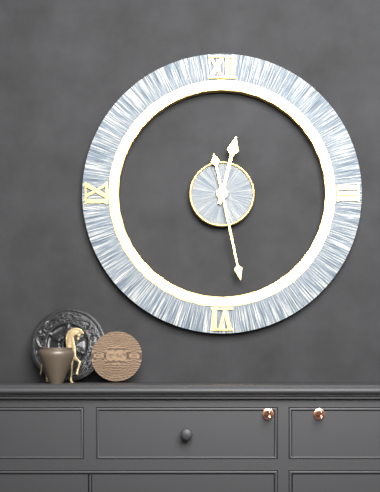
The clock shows 12.28
